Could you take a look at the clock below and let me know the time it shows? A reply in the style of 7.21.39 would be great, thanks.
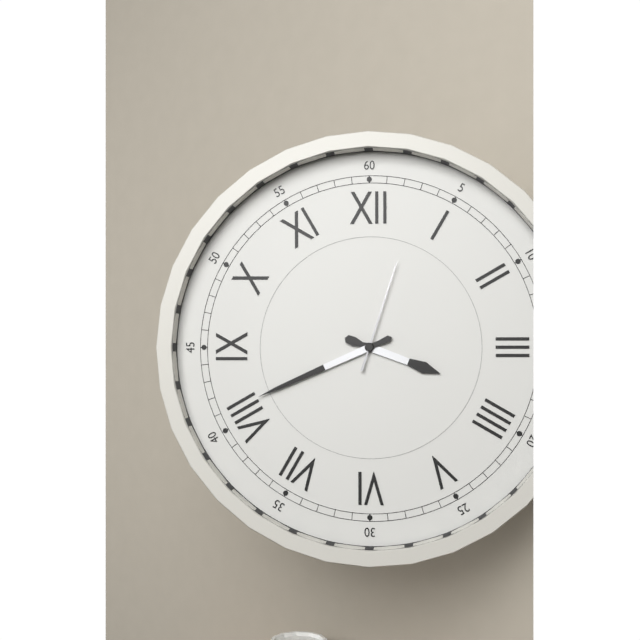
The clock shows 3.41.03
